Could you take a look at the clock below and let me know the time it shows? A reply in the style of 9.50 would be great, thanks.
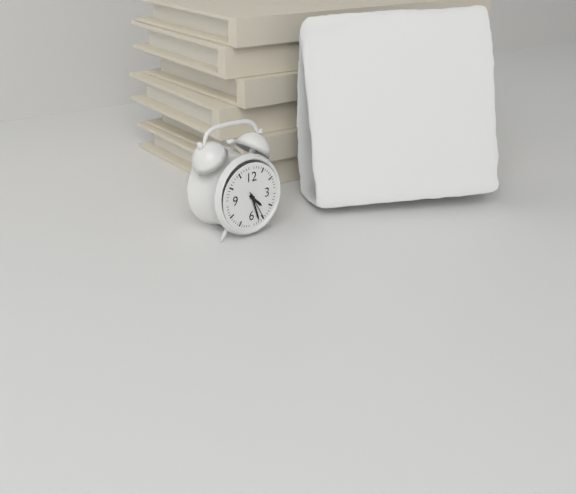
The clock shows 4.27
